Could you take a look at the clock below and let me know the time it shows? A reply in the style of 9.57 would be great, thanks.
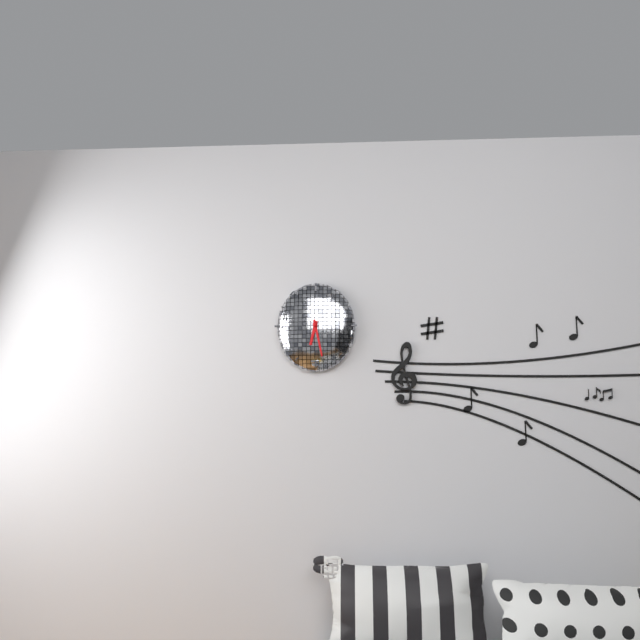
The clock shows 6.28
